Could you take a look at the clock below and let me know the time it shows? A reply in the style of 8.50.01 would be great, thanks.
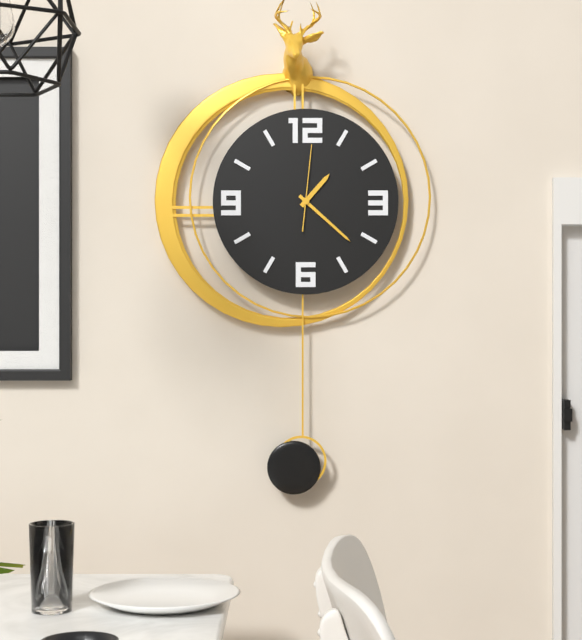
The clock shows 1.22.01
